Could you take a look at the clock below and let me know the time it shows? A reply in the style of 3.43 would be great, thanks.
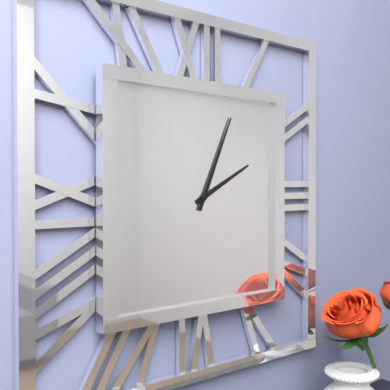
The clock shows 2.04
